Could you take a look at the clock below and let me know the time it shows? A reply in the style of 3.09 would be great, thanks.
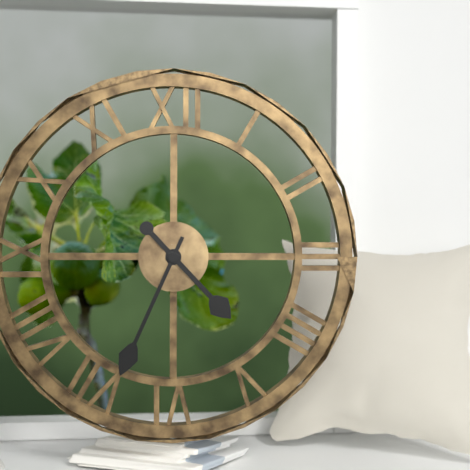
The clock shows 4.34
